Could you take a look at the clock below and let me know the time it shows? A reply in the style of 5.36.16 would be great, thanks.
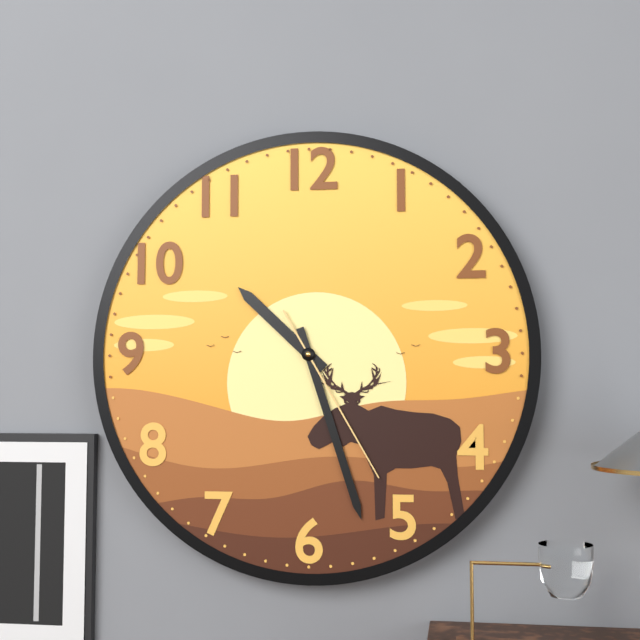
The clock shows 10.27.25
